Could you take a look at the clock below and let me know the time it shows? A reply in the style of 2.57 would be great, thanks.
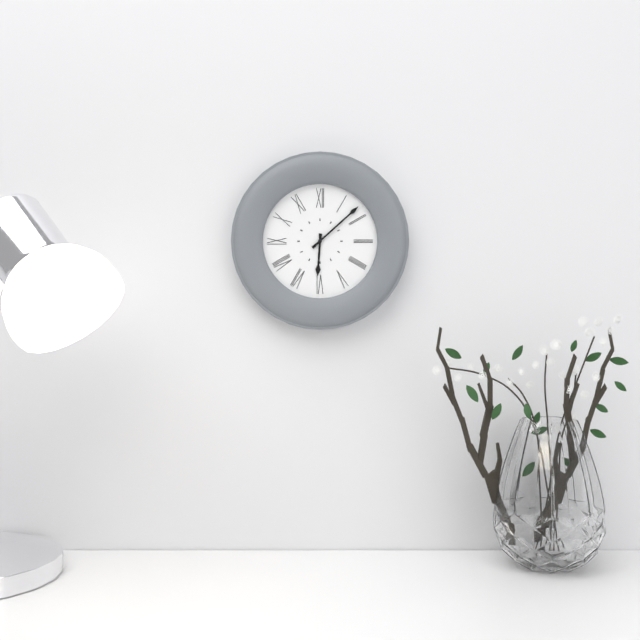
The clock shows 6.08
